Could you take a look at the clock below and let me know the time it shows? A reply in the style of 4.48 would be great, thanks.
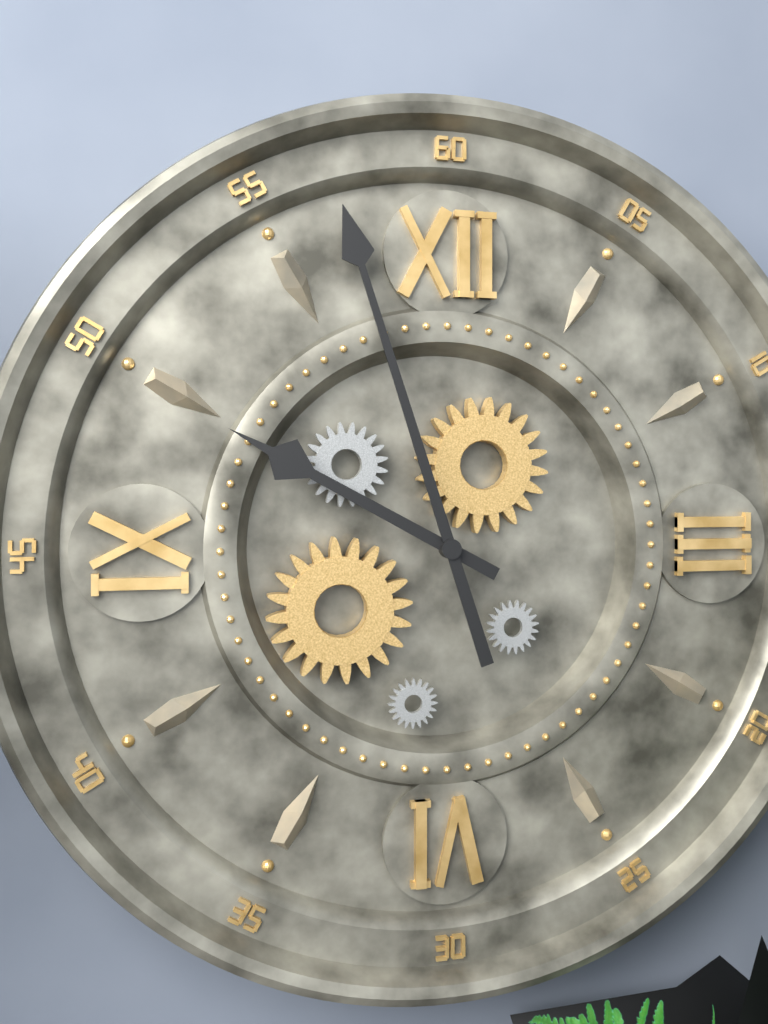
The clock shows 9.57
